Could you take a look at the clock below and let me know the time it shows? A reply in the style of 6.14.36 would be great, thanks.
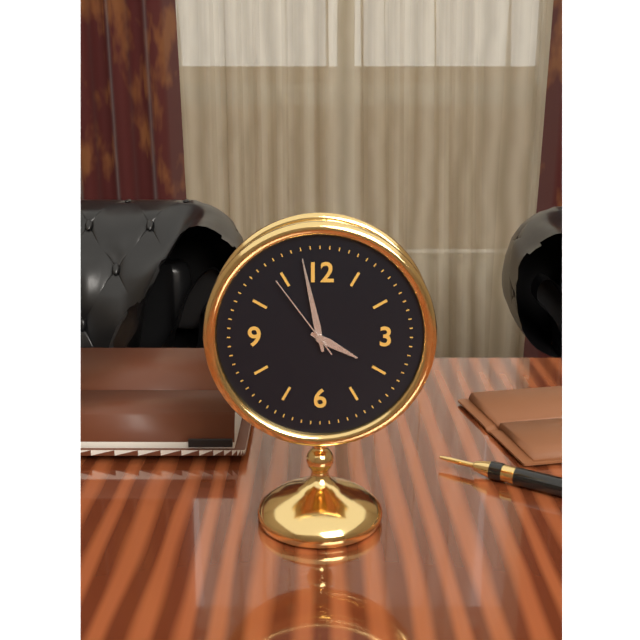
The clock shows 3.58.54
